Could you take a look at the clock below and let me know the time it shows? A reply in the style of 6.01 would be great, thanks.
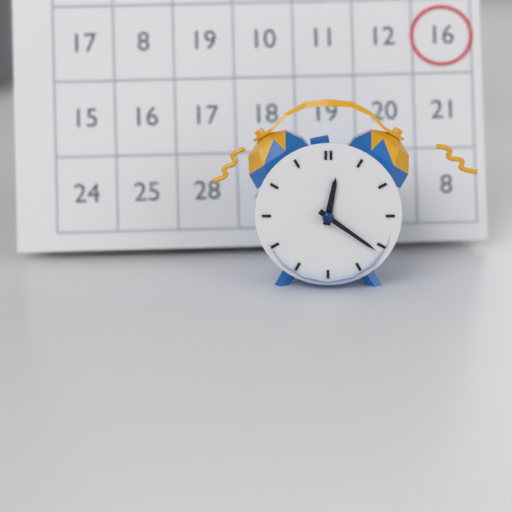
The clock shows 12.21
